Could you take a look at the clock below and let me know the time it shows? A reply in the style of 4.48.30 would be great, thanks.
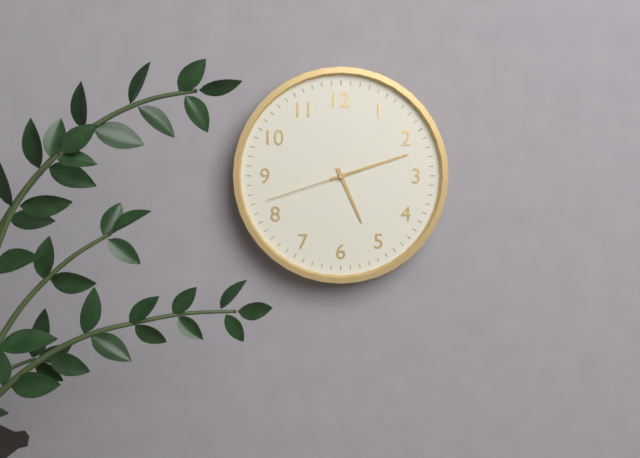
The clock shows 5.12.42
